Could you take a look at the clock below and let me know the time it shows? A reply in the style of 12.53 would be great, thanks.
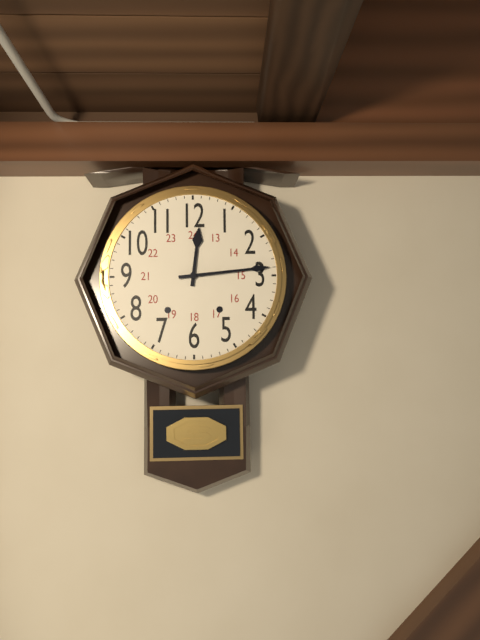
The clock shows 12.14
